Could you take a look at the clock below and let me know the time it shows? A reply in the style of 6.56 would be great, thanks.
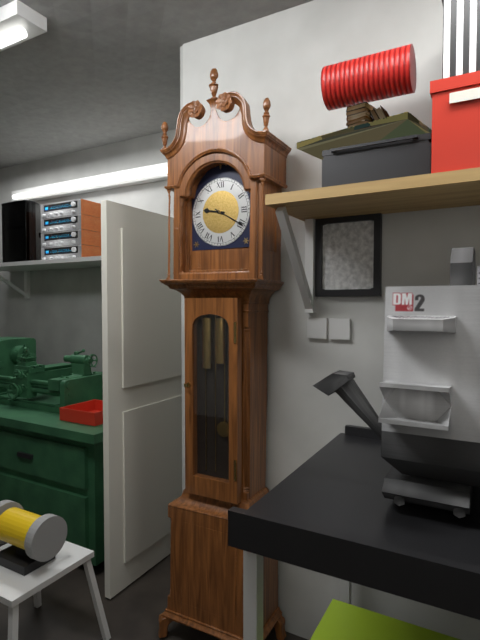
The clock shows 9.20
